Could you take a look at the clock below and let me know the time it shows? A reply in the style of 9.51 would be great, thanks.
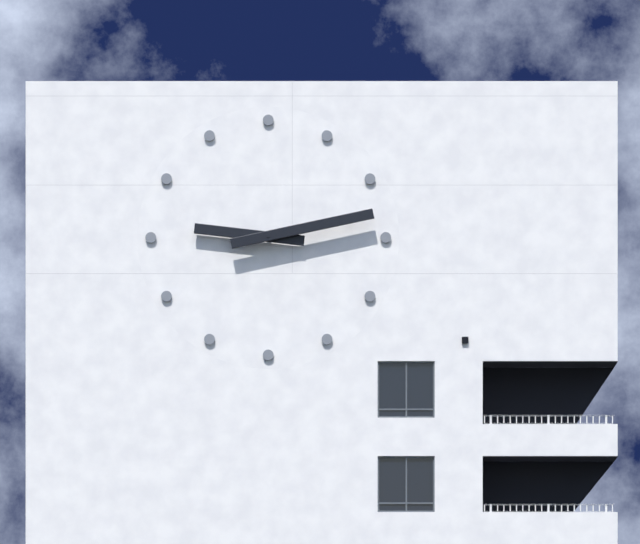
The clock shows 9.13
